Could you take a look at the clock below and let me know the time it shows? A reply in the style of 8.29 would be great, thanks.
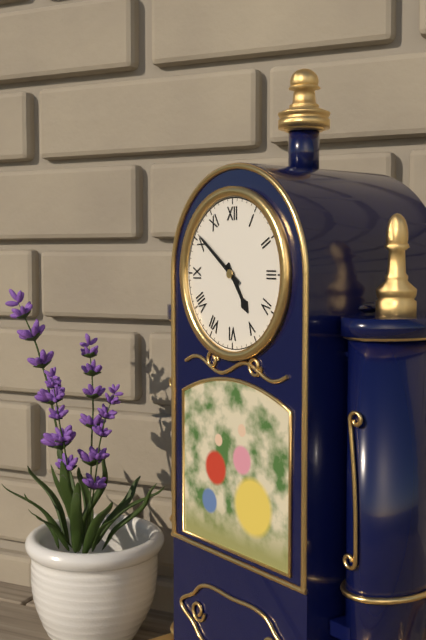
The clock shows 4.51
